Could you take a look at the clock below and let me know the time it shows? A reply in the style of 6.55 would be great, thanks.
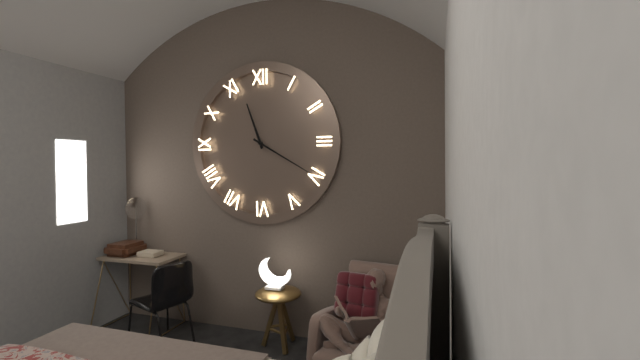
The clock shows 11.20
